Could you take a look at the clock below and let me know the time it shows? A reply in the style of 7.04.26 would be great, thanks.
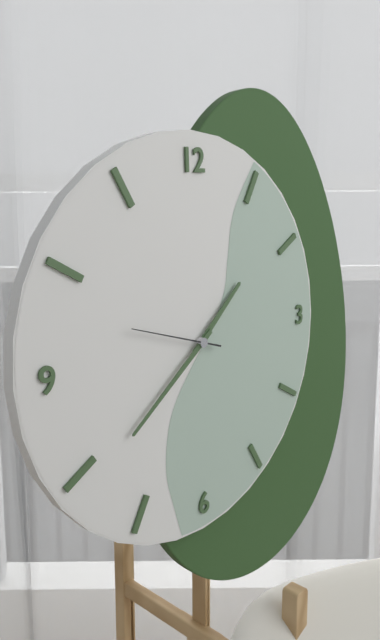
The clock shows 1.39.48
